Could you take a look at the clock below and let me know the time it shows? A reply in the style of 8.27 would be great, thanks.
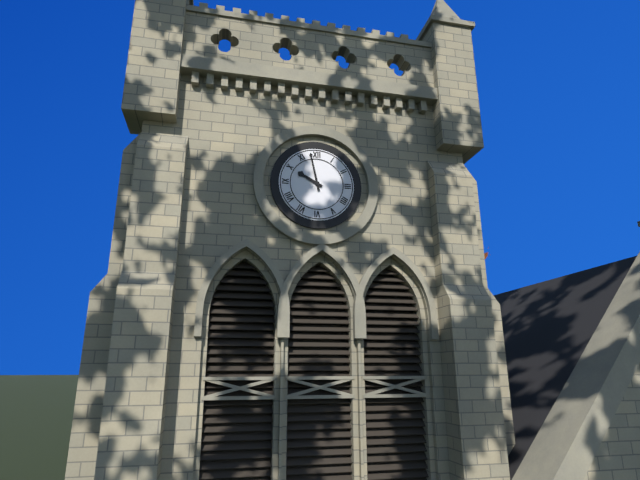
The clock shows 9.58
